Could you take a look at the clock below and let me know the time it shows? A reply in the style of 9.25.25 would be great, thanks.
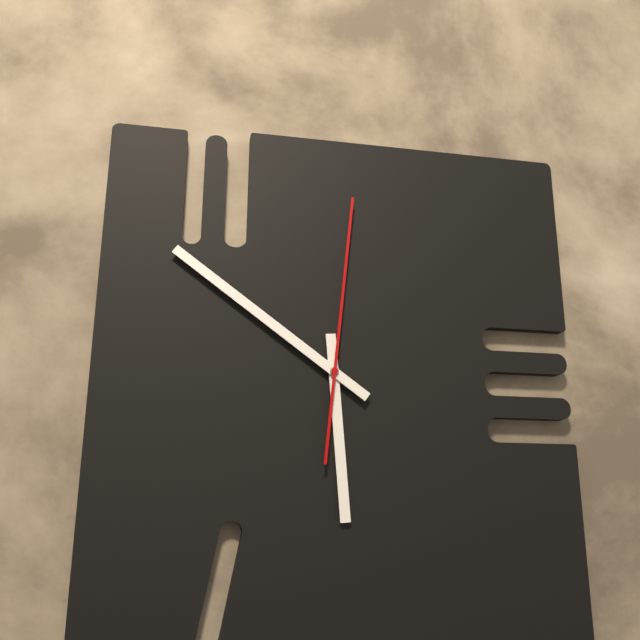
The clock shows 5.51.01
